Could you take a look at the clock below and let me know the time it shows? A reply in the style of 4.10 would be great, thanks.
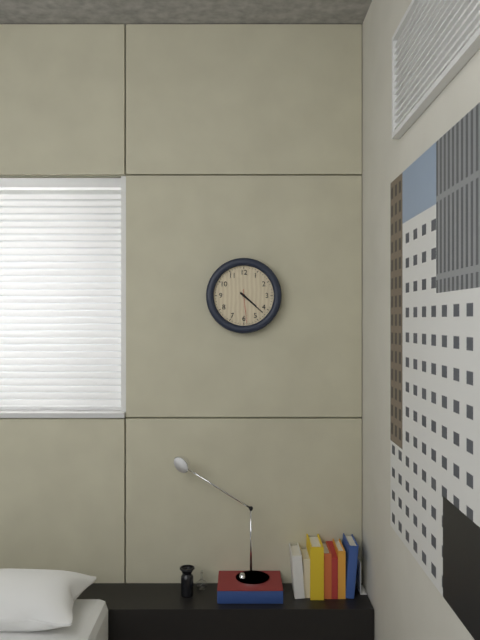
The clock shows 4.22
